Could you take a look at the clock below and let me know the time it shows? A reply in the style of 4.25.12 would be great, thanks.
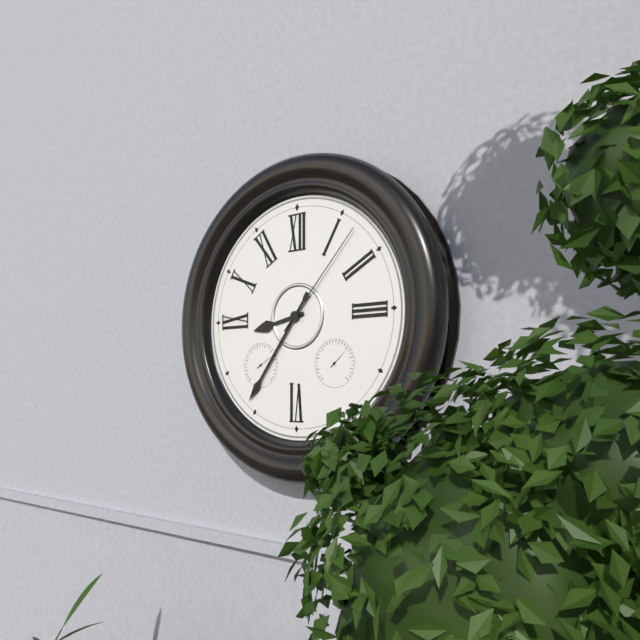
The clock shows 8.36.07
